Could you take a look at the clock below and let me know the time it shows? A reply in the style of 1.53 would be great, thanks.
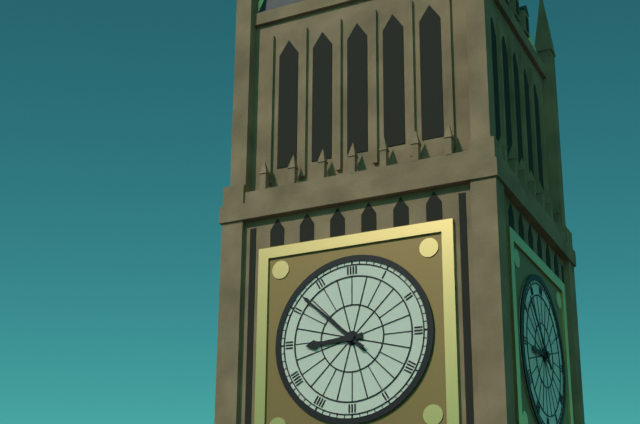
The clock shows 8.52
